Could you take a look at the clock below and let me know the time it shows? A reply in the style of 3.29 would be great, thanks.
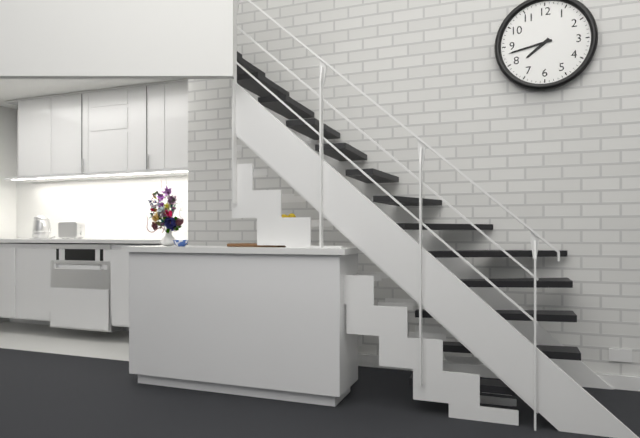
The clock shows 7.43
